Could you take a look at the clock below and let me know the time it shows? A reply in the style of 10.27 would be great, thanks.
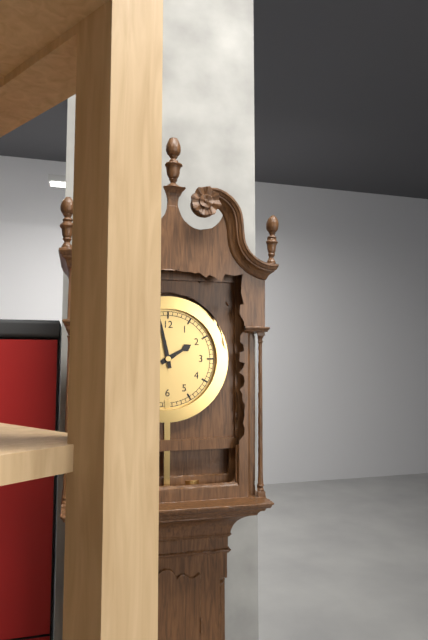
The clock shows 1.58
